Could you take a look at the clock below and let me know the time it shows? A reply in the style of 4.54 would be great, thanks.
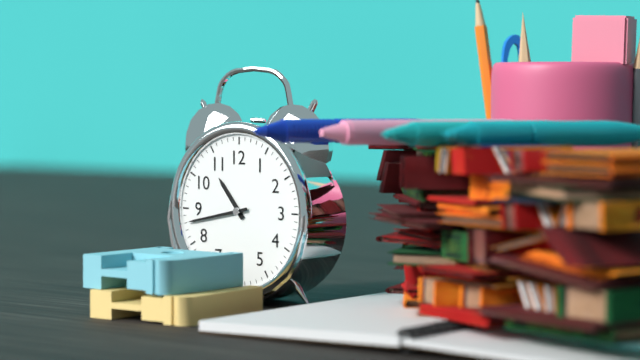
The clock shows 10.43
